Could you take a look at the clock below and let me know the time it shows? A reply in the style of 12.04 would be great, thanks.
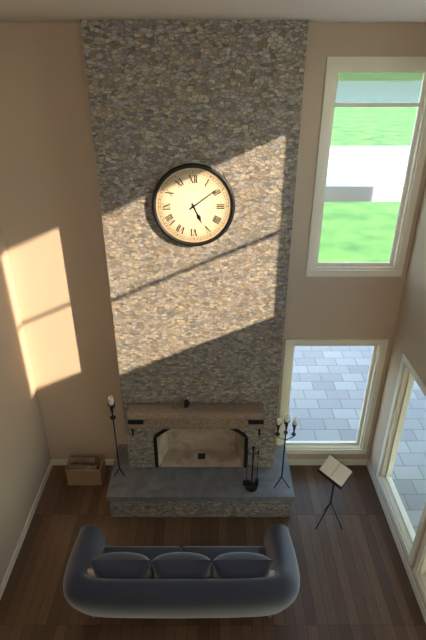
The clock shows 5.09
